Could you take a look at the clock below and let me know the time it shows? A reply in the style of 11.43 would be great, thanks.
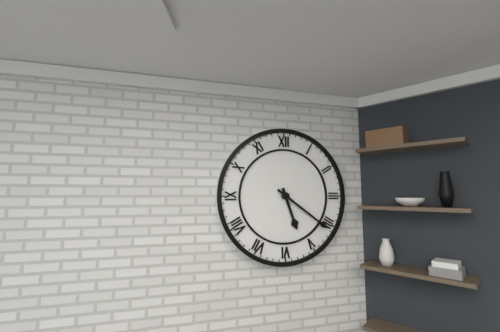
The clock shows 5.21
